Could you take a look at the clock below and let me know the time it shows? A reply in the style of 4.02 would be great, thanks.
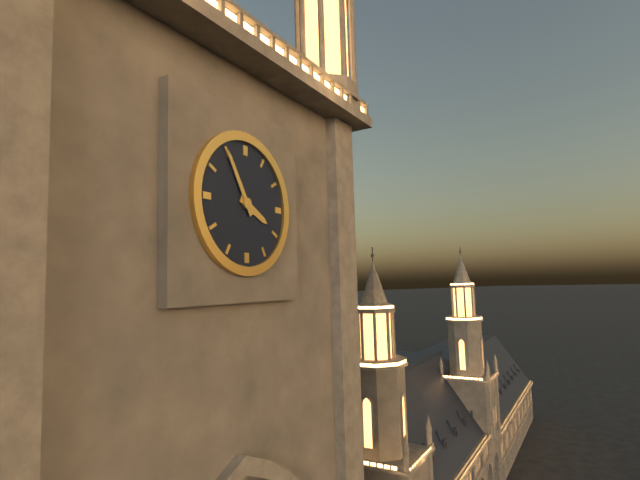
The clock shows 3.55
